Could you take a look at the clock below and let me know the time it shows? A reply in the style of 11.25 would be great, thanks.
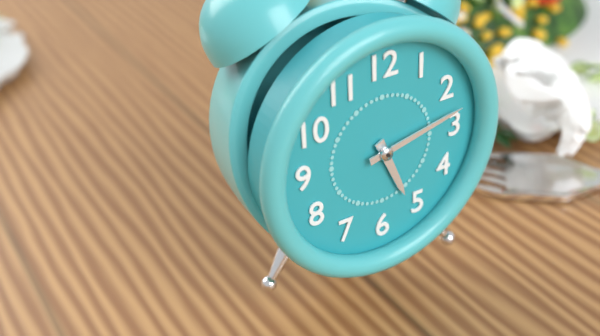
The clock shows 5.13
